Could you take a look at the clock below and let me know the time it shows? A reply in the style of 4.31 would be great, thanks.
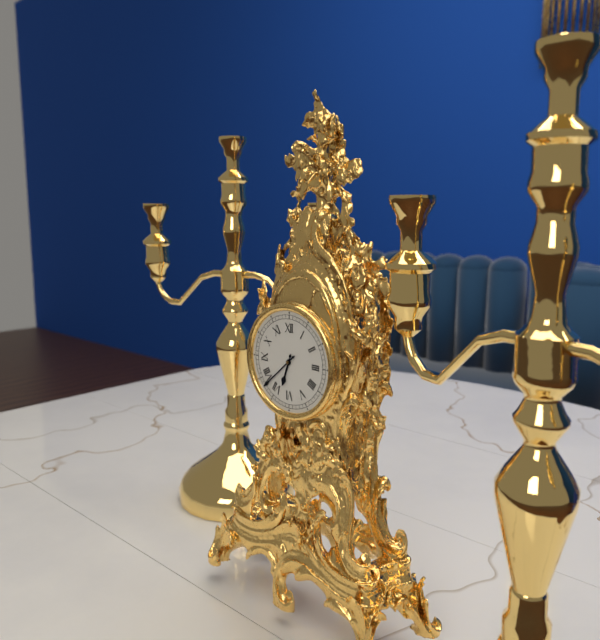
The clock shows 6.38
